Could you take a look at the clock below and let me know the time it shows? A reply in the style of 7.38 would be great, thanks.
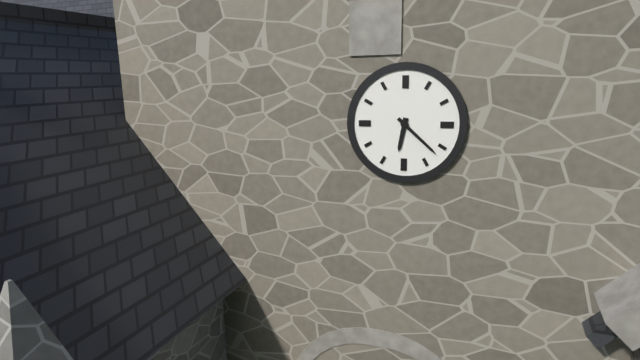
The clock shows 6.22
